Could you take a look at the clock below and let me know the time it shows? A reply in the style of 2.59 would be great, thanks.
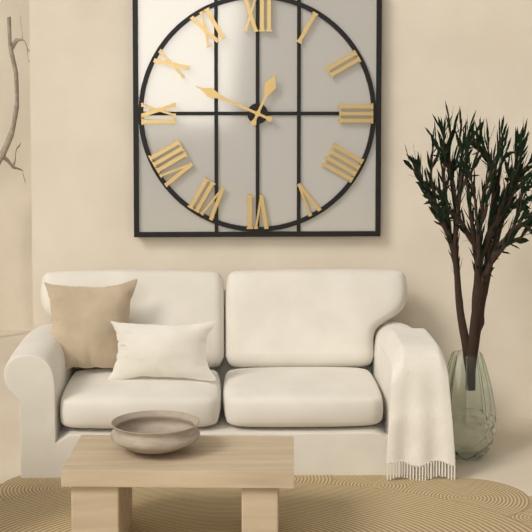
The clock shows 12.49
